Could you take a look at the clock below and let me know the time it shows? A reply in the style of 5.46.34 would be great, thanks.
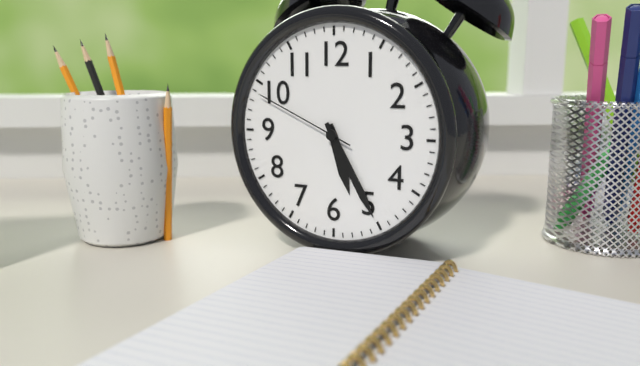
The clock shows 5.25.49
